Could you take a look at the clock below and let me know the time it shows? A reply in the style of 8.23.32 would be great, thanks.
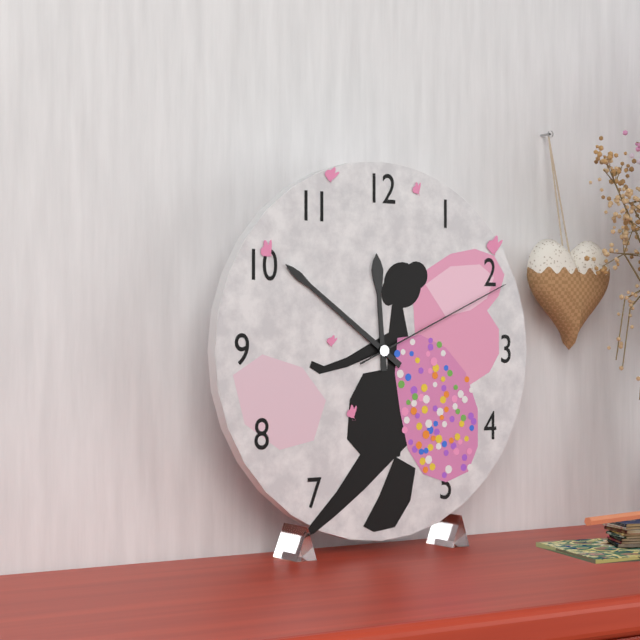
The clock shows 11.51.11
